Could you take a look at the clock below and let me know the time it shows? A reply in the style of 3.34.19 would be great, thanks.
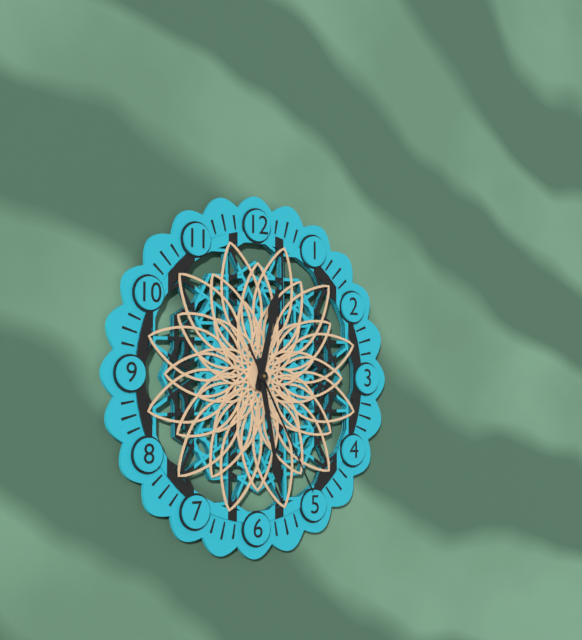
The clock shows 12.28.25
